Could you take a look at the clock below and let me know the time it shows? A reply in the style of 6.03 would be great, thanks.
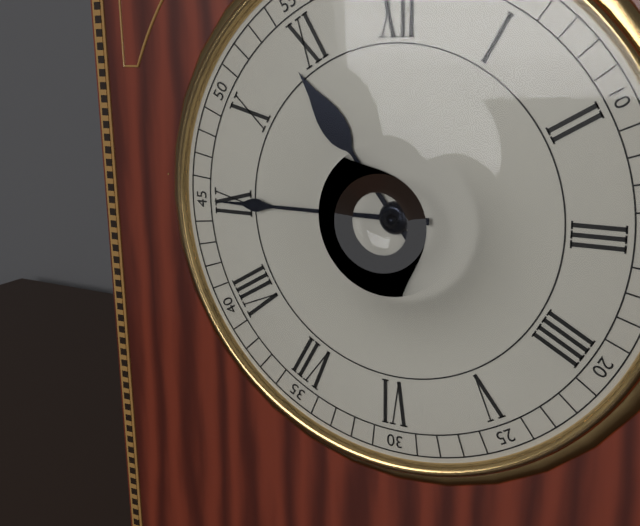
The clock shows 10.45
